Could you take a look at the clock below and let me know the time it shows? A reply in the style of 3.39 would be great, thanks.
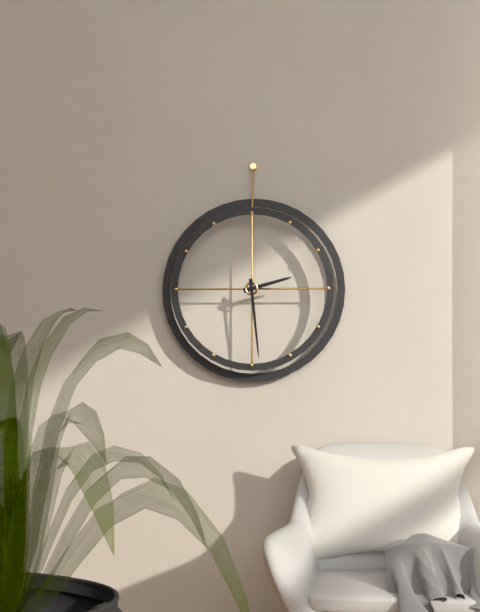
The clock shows 2.29
